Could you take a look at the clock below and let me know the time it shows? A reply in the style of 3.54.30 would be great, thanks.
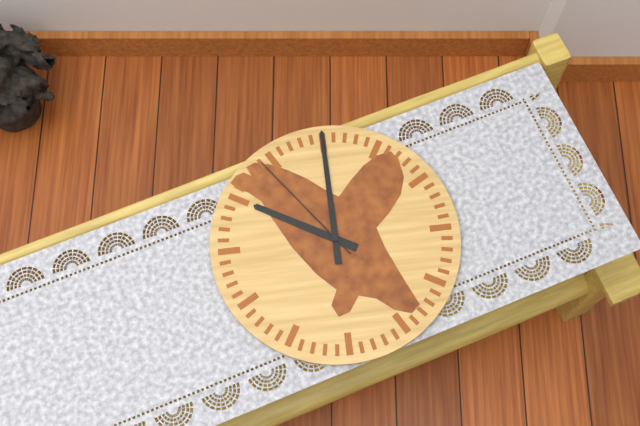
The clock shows 10.00.54
